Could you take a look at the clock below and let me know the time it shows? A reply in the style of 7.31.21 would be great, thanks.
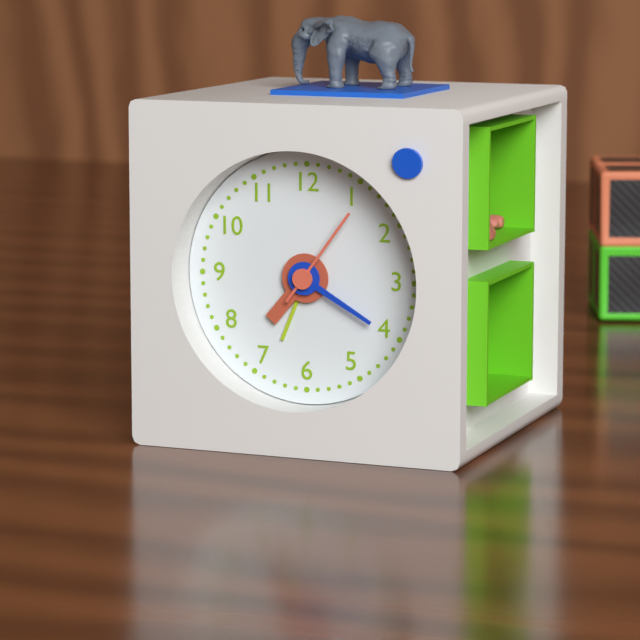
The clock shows 7.20.06
